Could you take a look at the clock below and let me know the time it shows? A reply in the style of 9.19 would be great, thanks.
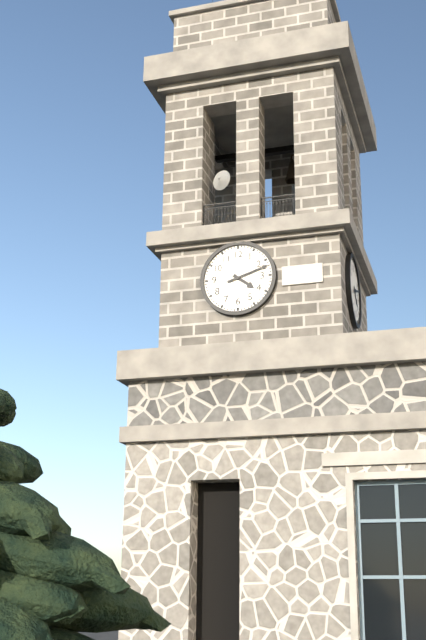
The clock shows 4.12
